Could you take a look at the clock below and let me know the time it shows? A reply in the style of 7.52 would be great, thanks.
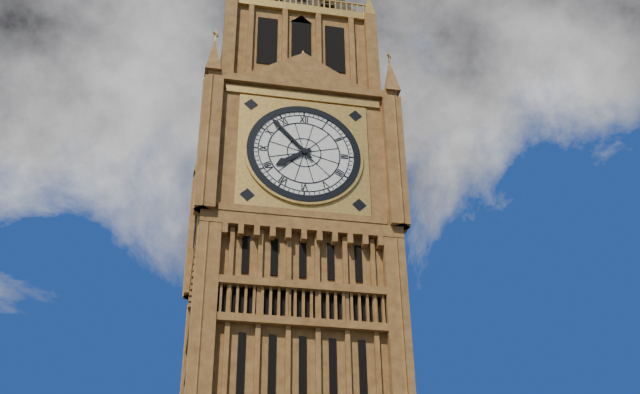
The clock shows 7.53
